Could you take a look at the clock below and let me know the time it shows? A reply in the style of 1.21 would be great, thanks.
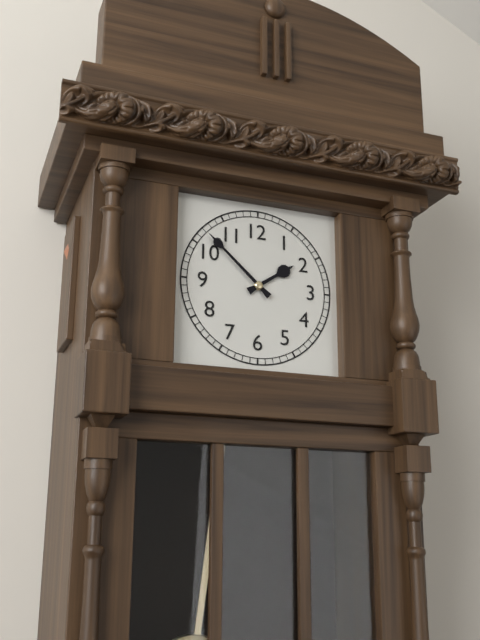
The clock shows 1.52
